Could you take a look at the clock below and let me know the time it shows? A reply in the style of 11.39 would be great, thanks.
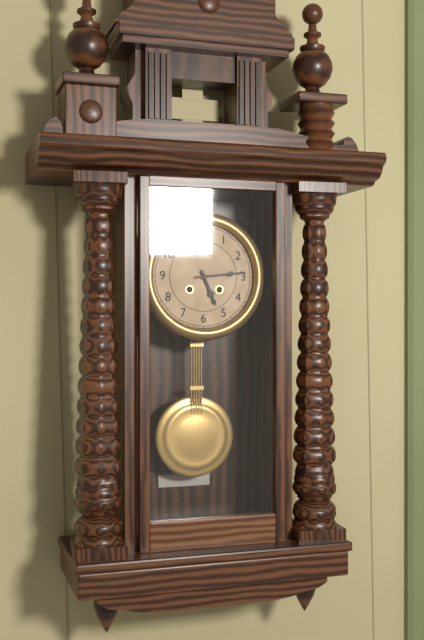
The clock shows 5.14
